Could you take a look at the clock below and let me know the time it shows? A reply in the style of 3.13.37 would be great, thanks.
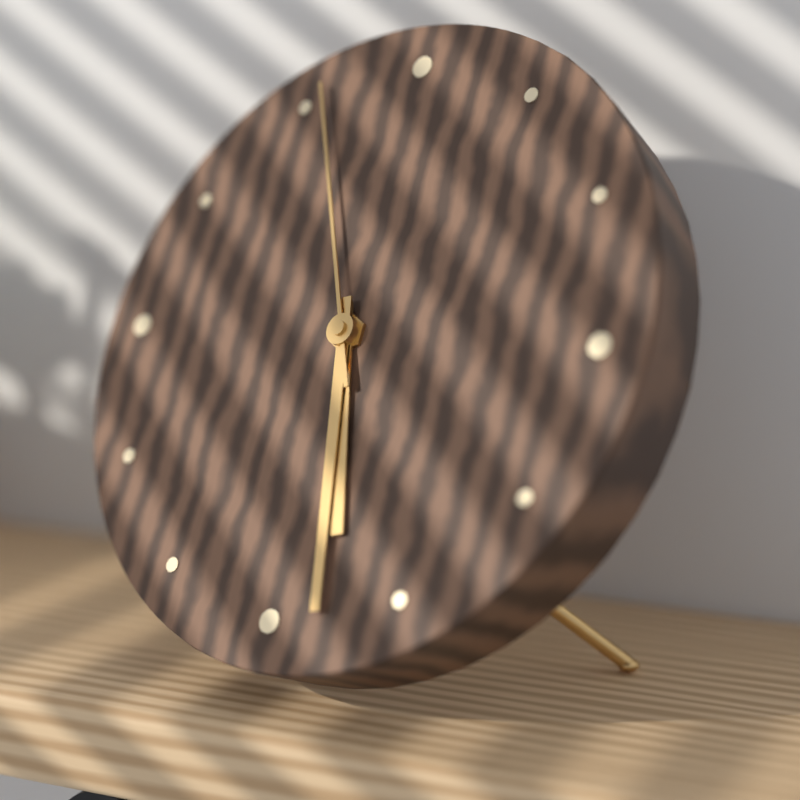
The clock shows 5.28.56
